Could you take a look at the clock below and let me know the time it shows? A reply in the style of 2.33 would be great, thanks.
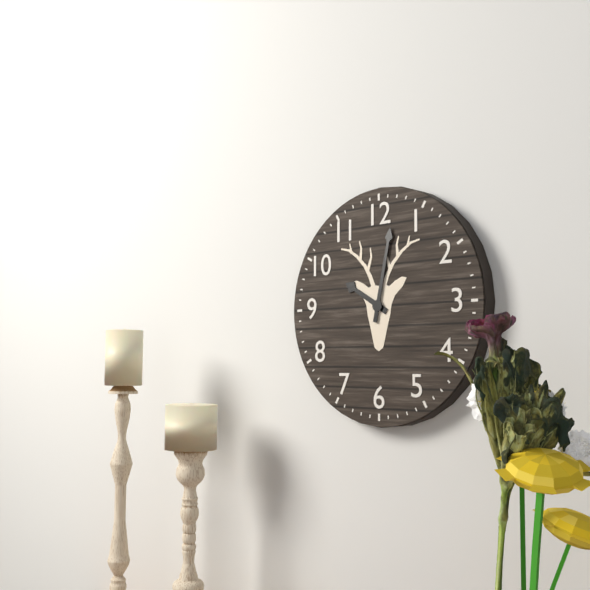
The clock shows 10.02
